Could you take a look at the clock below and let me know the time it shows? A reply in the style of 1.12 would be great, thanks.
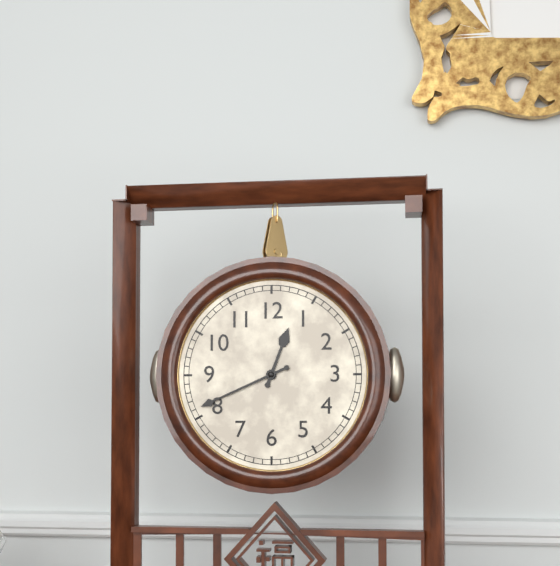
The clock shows 12.41
